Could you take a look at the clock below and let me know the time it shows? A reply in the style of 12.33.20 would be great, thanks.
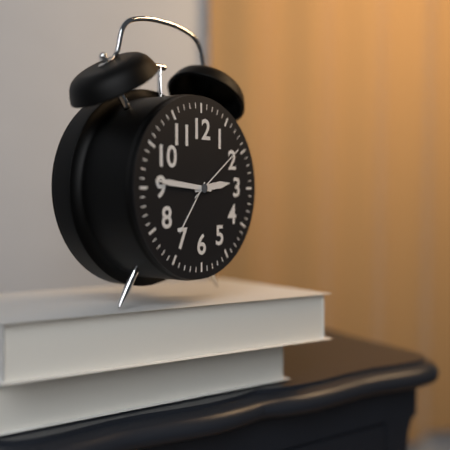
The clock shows 2.46.09
